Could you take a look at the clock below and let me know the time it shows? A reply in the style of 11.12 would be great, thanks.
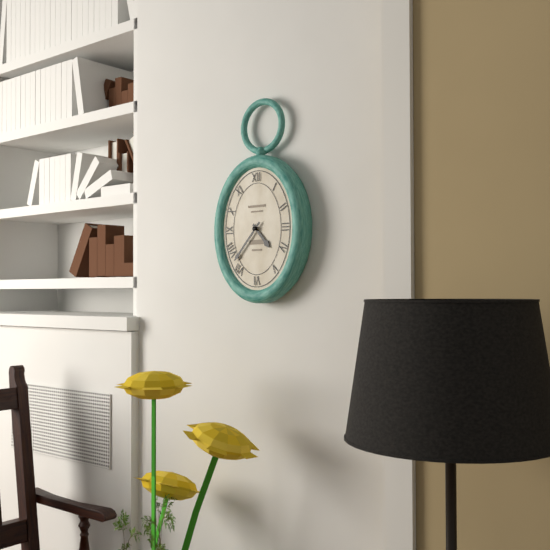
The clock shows 4.37
